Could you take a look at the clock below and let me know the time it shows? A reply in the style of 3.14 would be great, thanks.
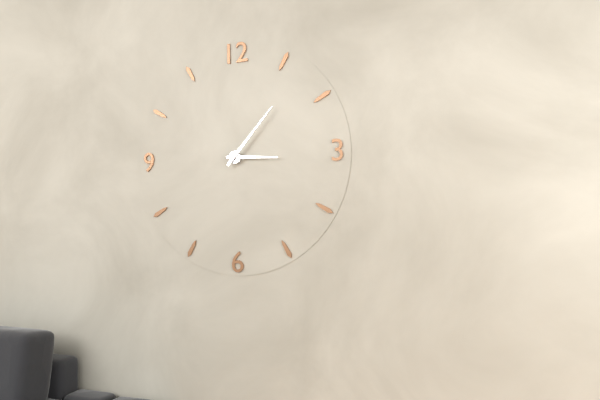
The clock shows 3.07
